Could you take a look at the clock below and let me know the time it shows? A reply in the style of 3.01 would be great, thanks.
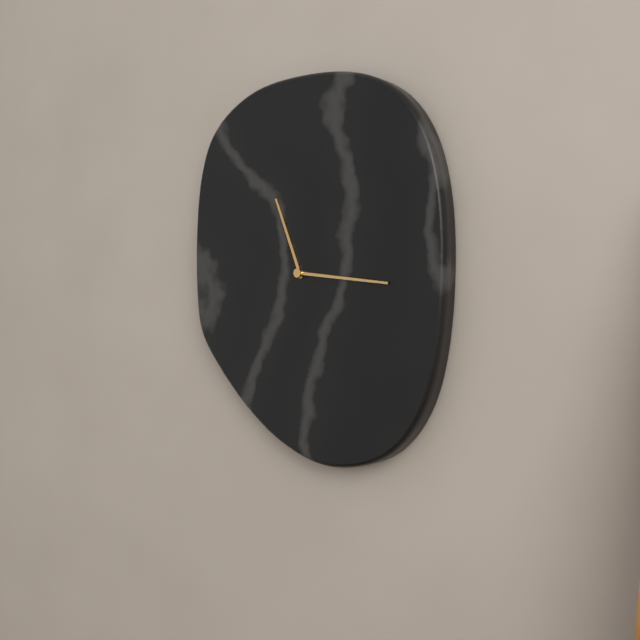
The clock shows 11.16
